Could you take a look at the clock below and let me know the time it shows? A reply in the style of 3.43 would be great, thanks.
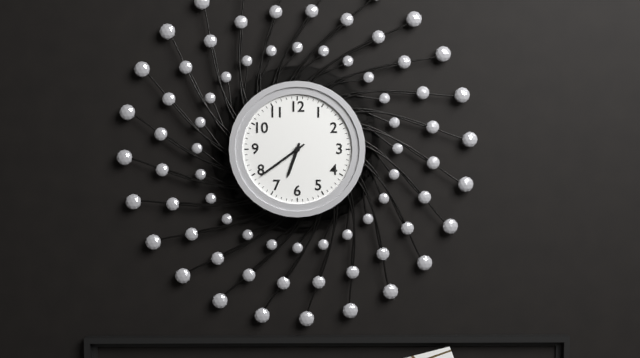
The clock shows 6.39
